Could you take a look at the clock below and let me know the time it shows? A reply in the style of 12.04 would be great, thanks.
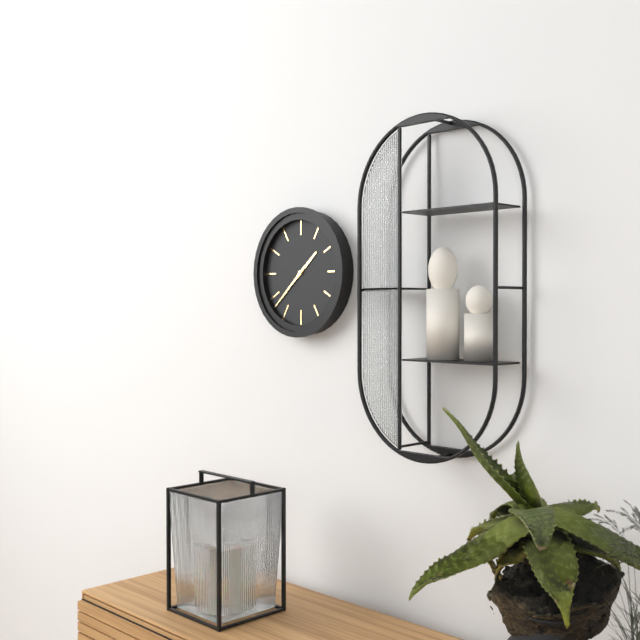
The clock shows 1.38
